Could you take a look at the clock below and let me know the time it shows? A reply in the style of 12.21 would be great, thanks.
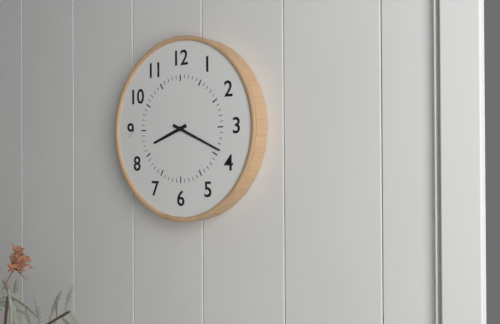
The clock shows 8.19
